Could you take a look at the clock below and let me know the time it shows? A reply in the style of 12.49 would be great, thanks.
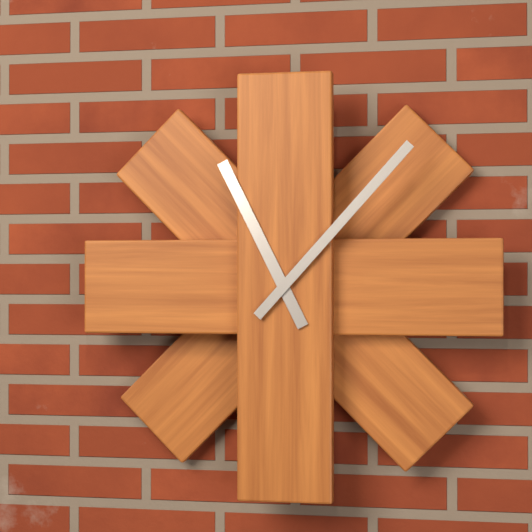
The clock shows 11.07
